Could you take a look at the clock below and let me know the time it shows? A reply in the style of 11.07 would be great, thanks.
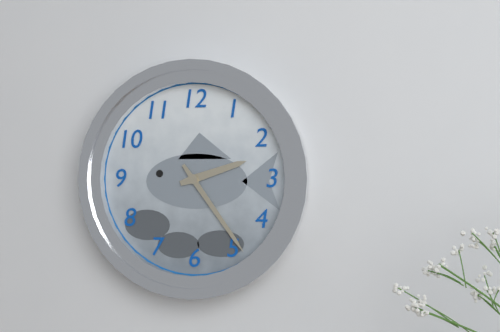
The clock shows 2.24
